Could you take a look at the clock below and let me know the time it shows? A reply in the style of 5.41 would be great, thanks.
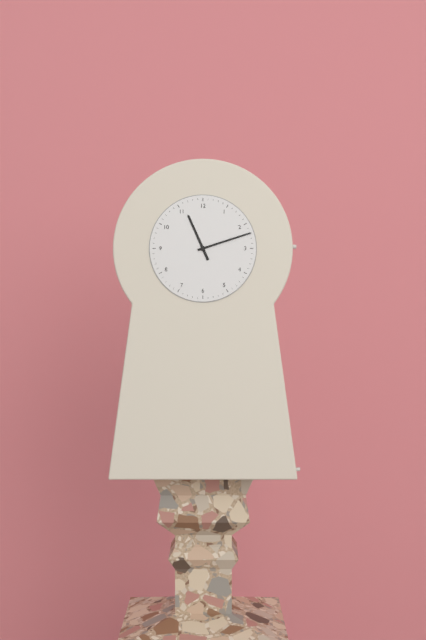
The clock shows 11.12
